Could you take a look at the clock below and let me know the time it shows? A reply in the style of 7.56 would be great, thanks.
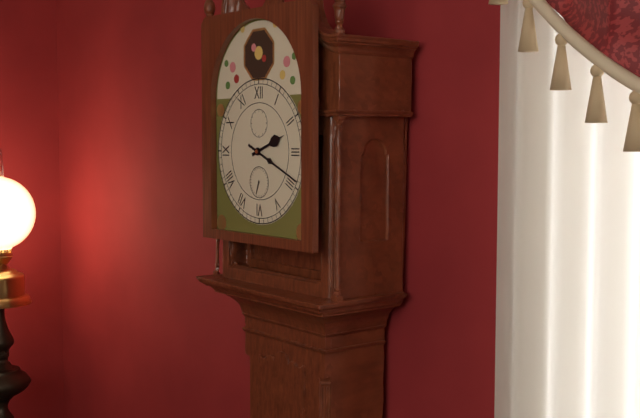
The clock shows 2.19
